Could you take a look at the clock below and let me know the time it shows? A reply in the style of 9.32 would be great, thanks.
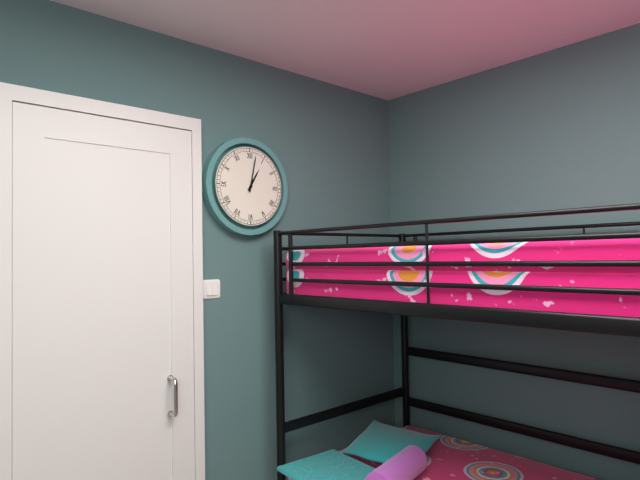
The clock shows 1.02
